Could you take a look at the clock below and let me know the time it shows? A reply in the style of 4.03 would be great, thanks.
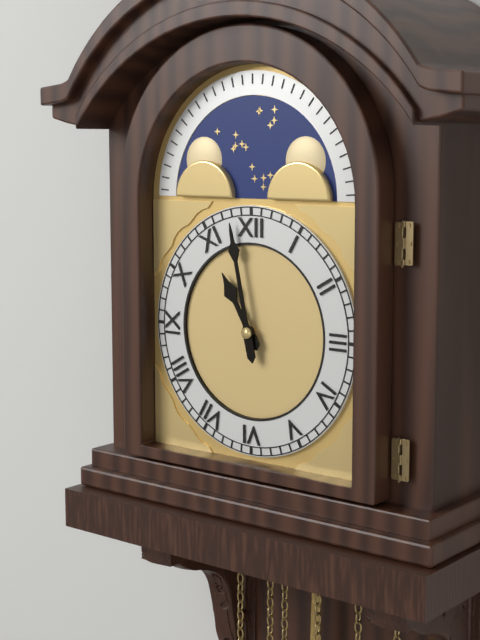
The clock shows 10.58
